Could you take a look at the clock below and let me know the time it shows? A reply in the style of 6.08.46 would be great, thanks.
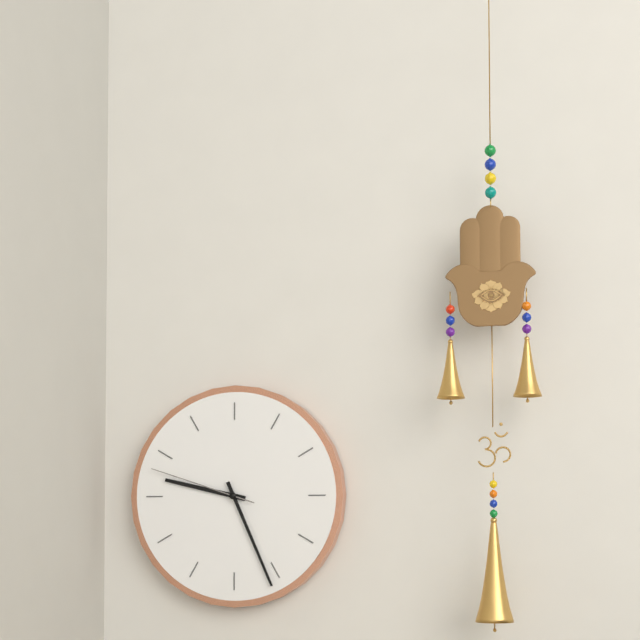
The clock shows 9.26.48
